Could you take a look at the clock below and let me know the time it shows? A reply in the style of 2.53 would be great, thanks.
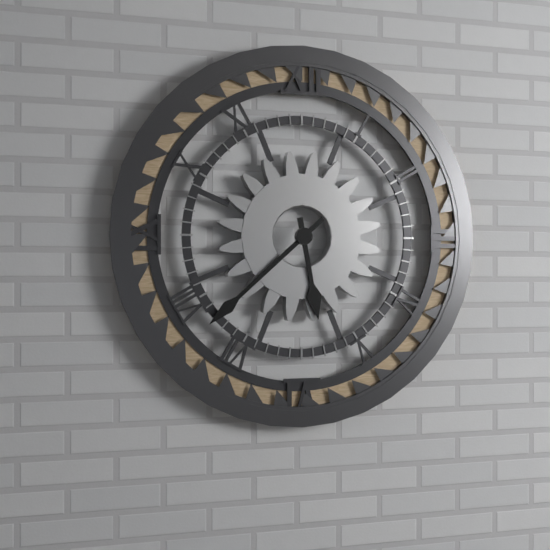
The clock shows 5.38
